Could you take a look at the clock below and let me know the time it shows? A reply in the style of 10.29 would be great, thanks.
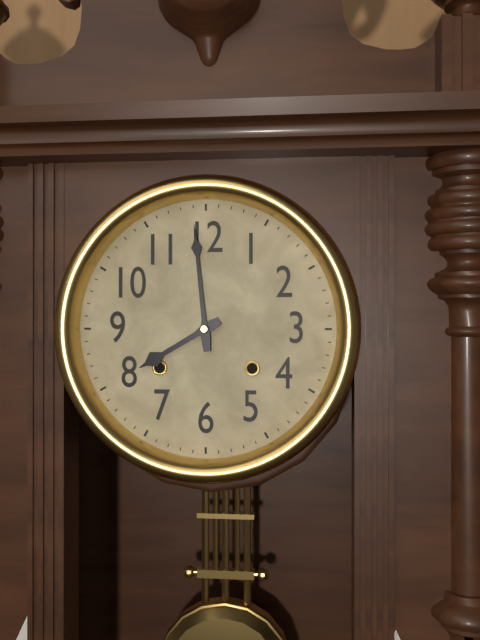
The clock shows 7.59
